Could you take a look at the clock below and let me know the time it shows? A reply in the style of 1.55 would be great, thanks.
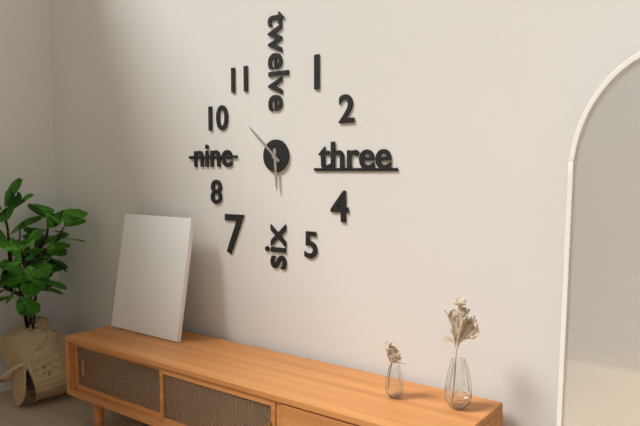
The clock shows 5.52
